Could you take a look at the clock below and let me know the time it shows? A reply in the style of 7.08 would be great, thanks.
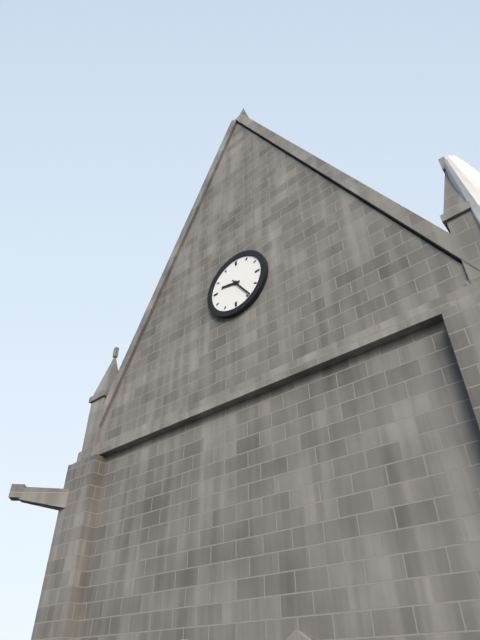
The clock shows 9.24
